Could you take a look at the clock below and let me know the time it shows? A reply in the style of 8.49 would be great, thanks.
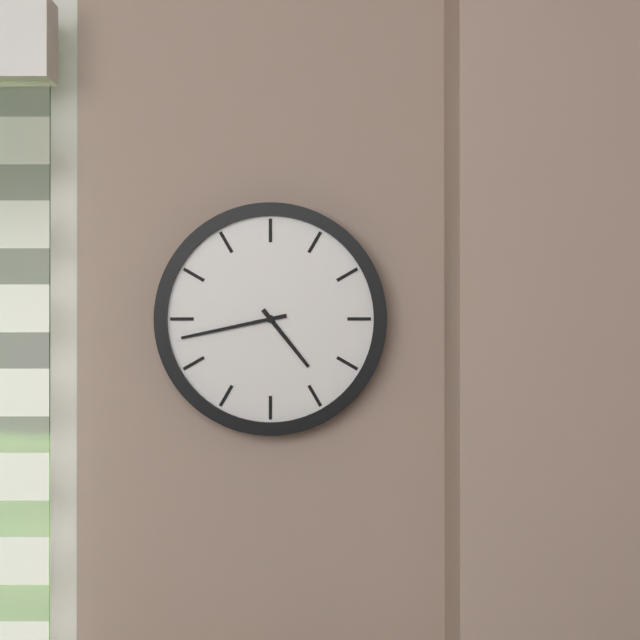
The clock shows 4.43
